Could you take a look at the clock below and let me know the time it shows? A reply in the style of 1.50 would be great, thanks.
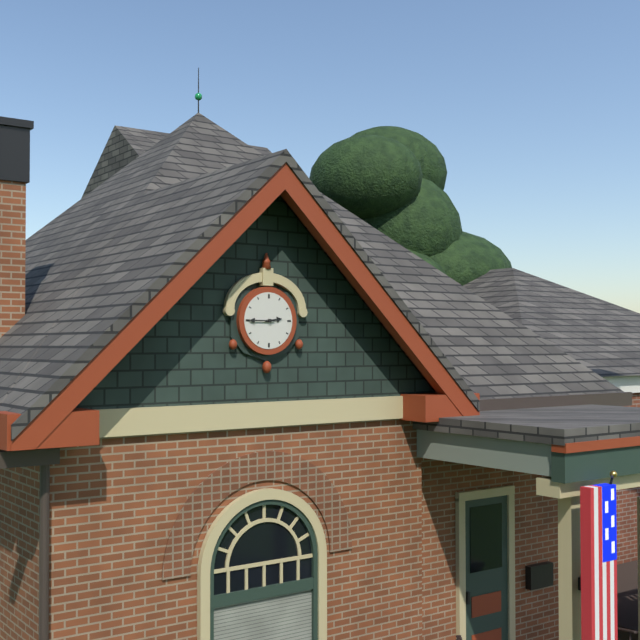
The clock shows 2.45
